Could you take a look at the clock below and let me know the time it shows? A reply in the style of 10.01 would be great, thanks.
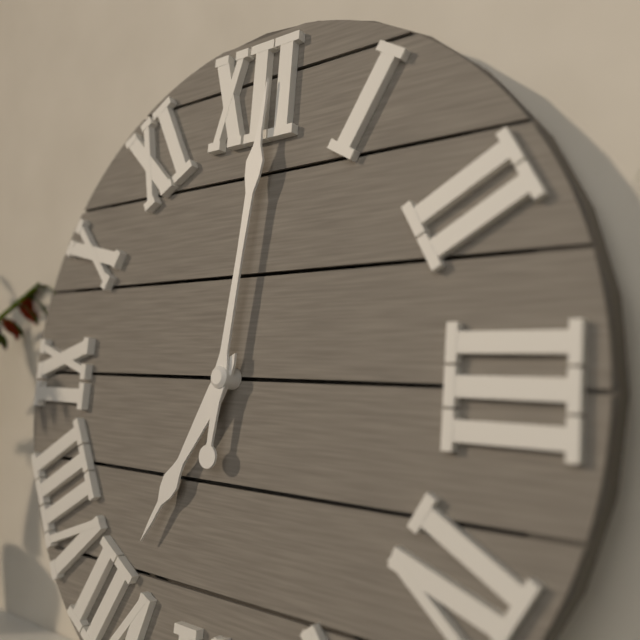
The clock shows 7.01
